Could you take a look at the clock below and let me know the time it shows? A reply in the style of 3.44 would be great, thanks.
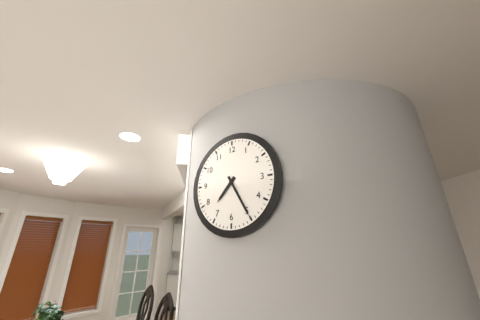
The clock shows 7.25
